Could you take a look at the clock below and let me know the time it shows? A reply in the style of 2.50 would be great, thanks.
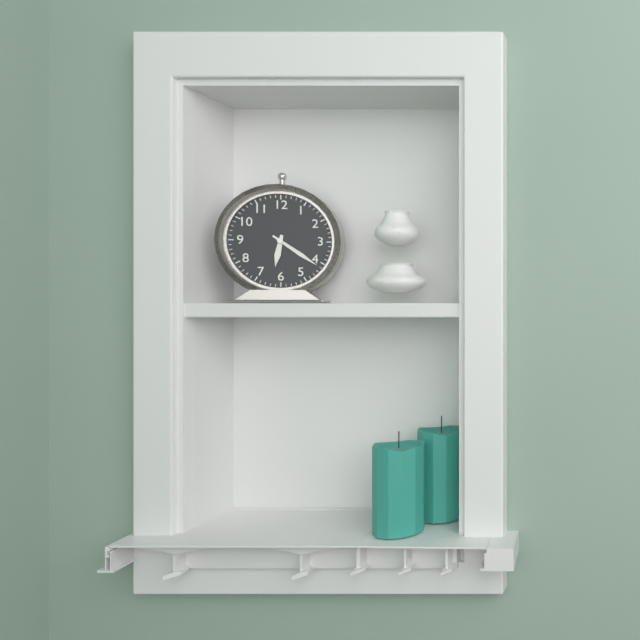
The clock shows 6.21
